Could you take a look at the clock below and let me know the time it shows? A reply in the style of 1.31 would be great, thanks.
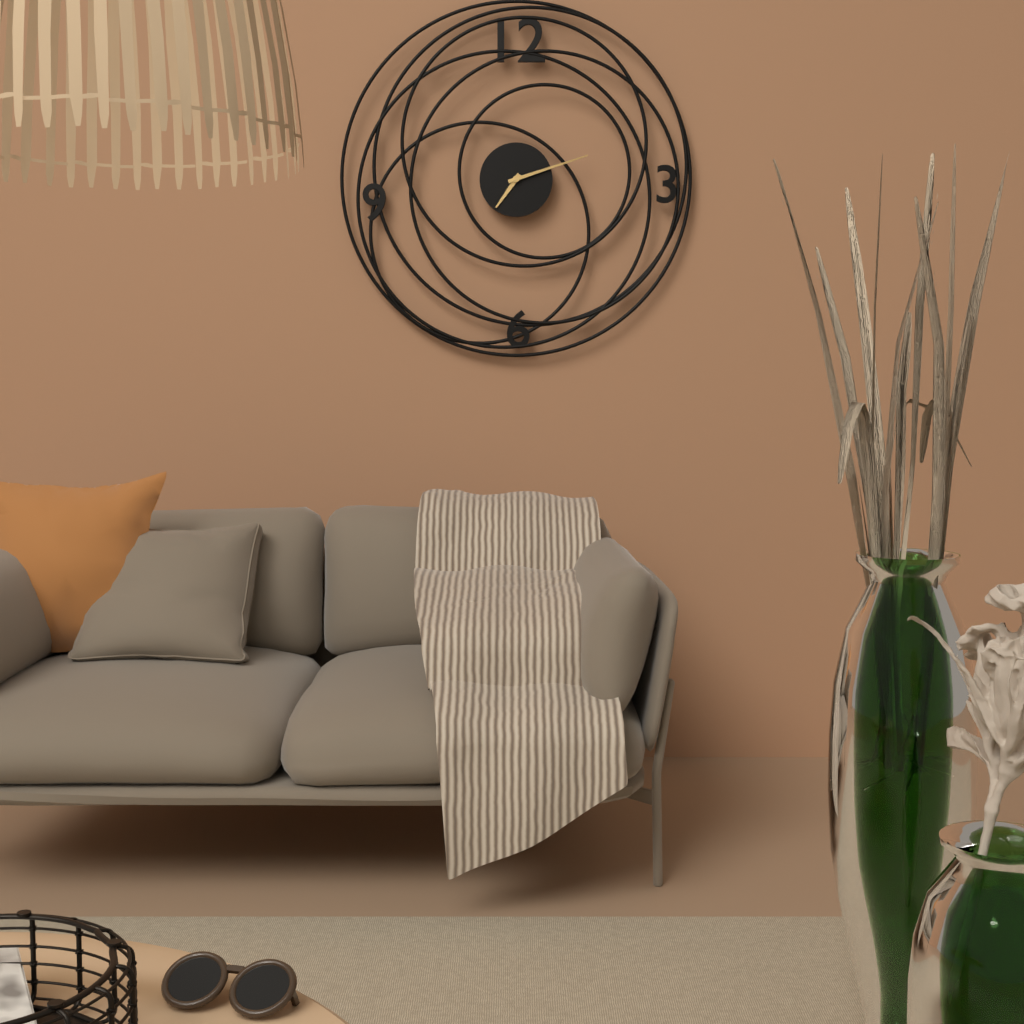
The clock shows 7.12
